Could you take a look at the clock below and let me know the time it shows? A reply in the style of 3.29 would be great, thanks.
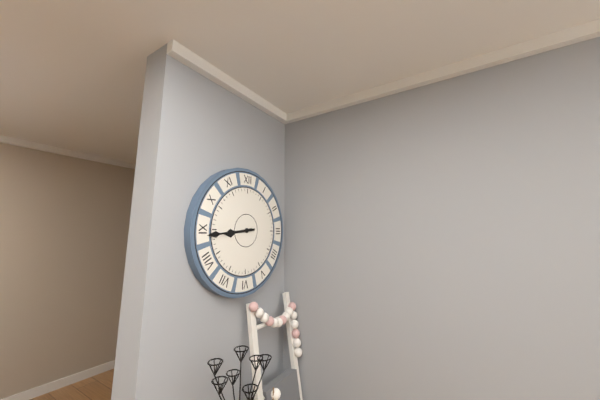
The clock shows 8.44
